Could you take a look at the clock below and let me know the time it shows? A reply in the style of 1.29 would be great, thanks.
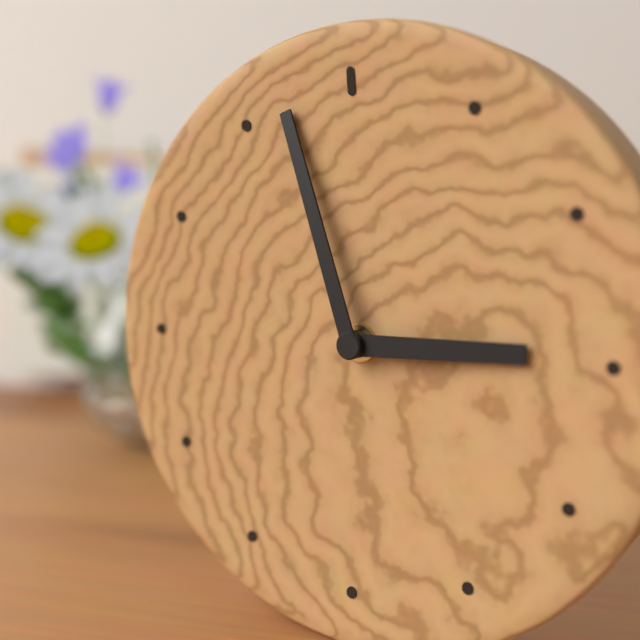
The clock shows 2.57
